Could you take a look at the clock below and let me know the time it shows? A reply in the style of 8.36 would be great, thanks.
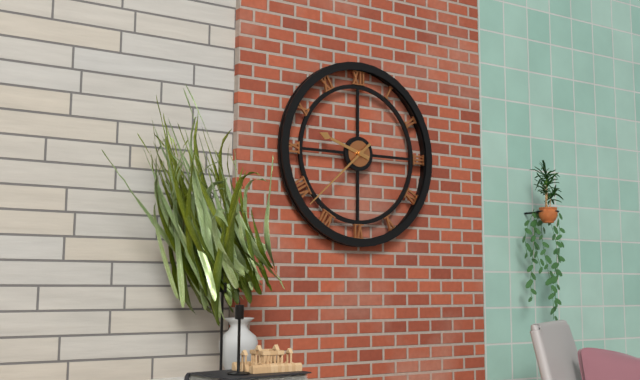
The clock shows 9.38
